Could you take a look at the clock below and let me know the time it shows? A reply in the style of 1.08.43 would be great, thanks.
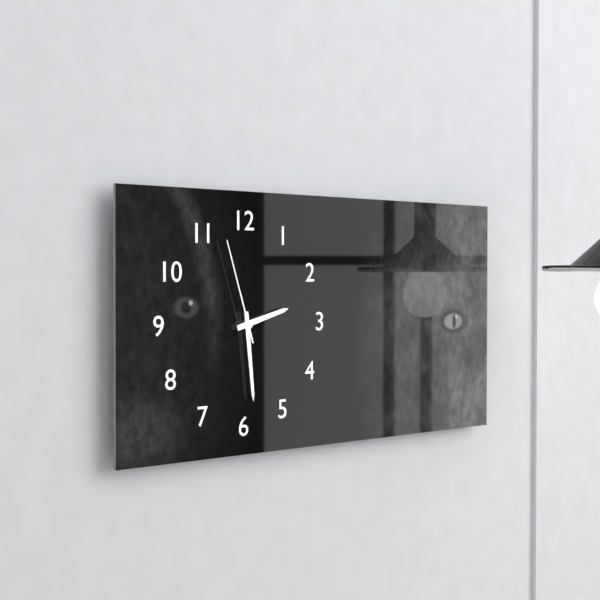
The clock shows 2.29.57
